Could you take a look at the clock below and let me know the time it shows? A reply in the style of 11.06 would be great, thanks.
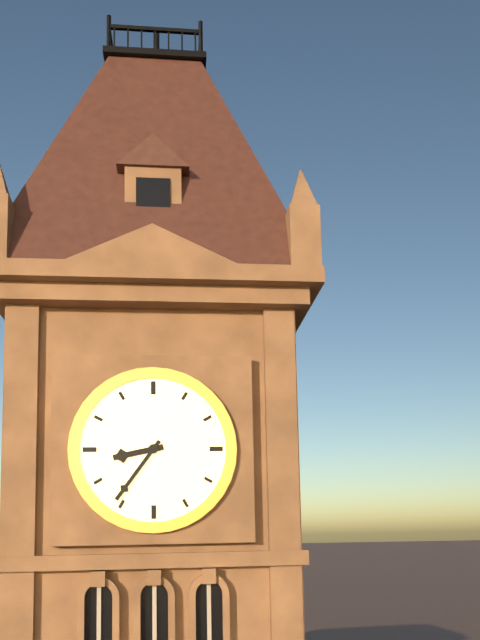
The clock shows 8.36
